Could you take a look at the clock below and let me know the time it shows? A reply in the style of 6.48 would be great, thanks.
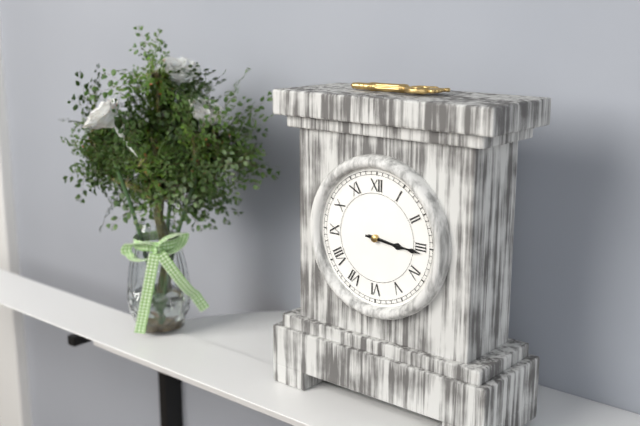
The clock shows 3.16
